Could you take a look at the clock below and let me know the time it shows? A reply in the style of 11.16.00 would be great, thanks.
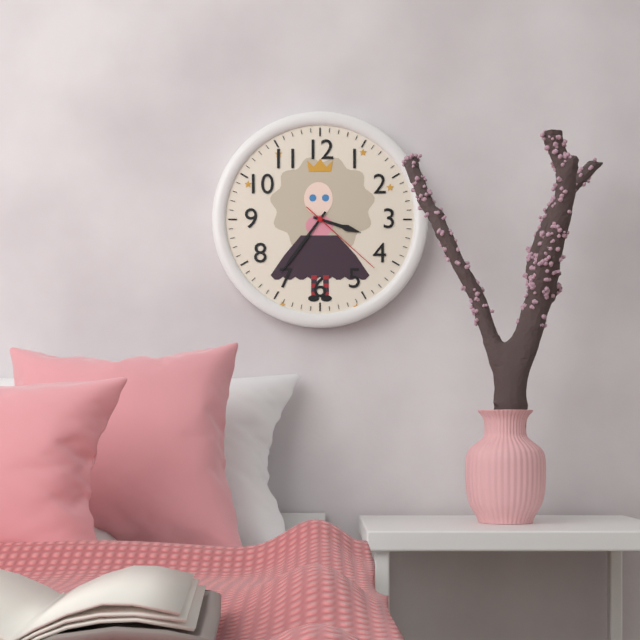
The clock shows 3.36.22
